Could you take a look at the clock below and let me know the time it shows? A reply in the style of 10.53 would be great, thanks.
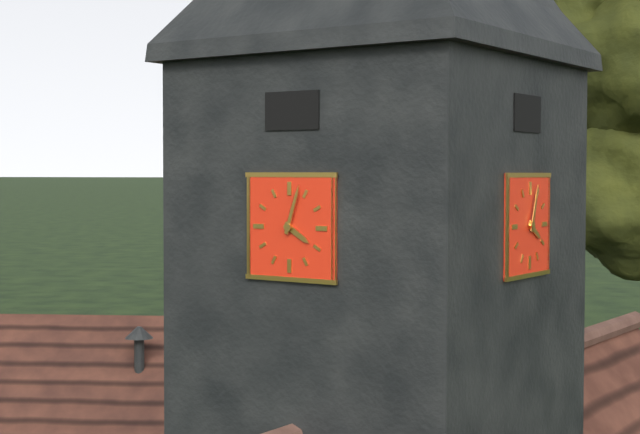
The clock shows 4.03
